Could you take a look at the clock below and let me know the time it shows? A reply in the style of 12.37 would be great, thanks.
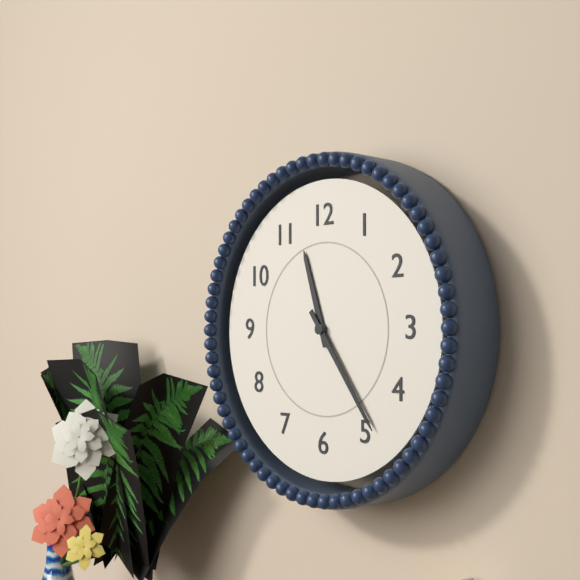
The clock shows 11.24
